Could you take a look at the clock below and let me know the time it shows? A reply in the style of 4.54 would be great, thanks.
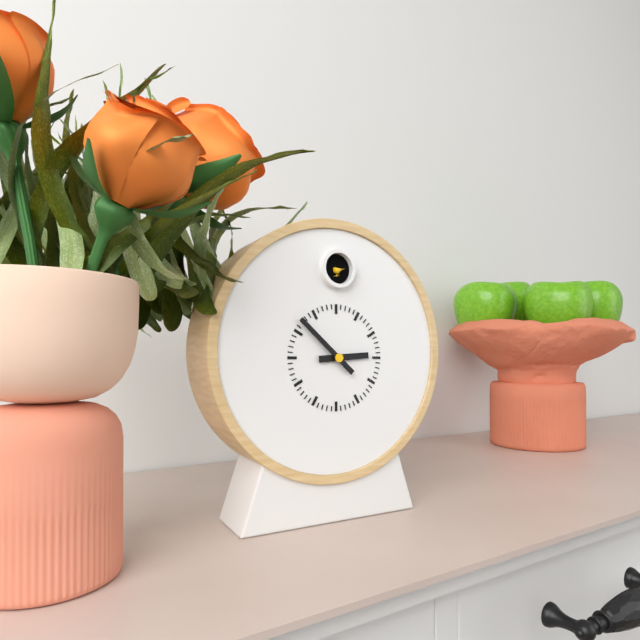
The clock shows 2.52
